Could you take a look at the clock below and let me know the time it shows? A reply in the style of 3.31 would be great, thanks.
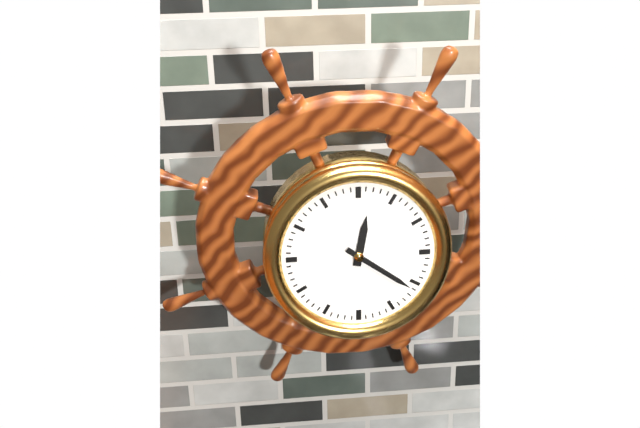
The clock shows 12.21
